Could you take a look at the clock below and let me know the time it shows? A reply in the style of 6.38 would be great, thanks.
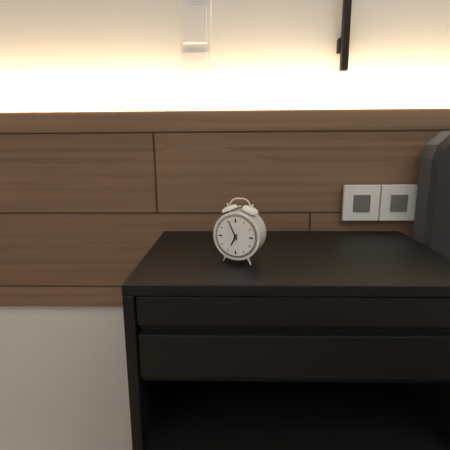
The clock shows 6.56
